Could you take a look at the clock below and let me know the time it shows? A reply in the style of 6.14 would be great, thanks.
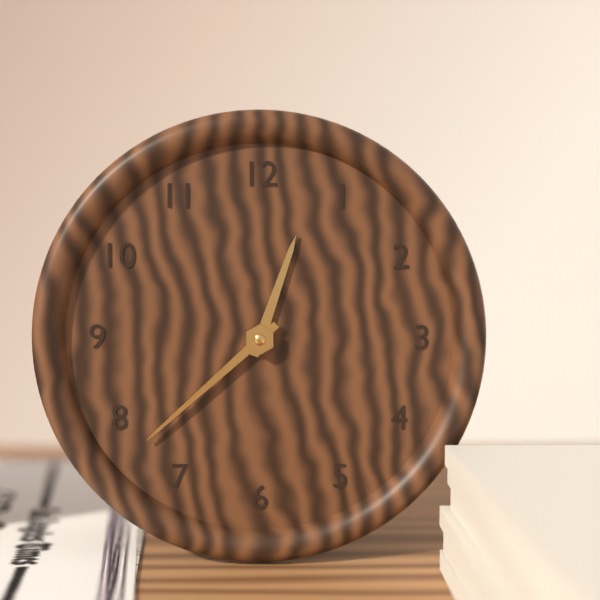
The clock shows 12.38
